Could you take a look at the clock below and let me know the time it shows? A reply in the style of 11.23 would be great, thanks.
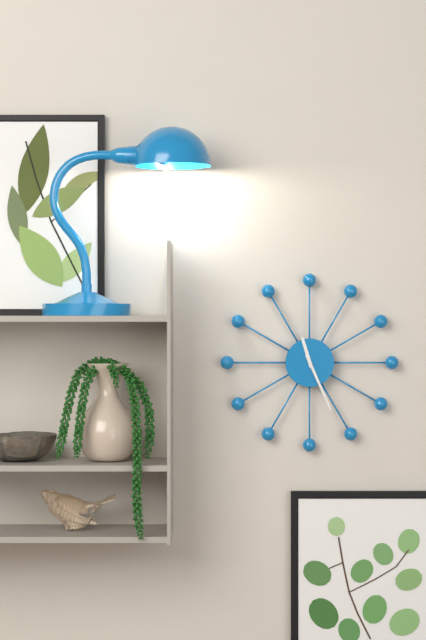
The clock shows 11.26
